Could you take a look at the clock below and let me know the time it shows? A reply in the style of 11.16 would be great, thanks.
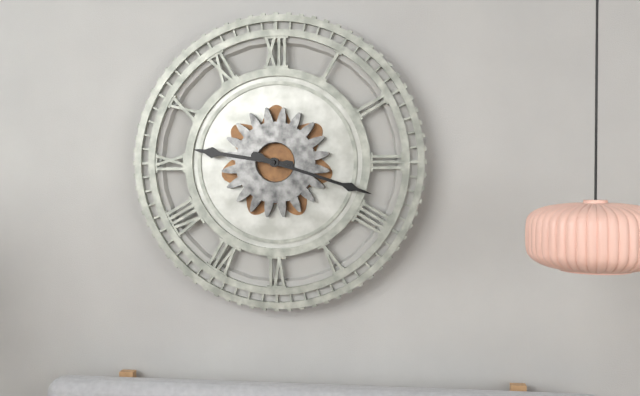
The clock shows 9.18
